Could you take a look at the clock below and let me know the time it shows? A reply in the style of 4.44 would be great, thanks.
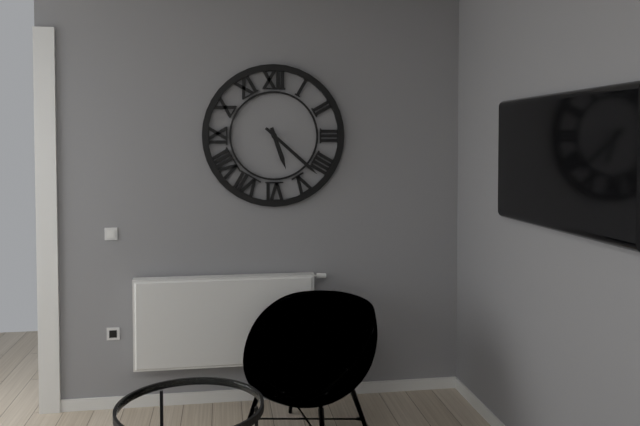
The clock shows 5.22
